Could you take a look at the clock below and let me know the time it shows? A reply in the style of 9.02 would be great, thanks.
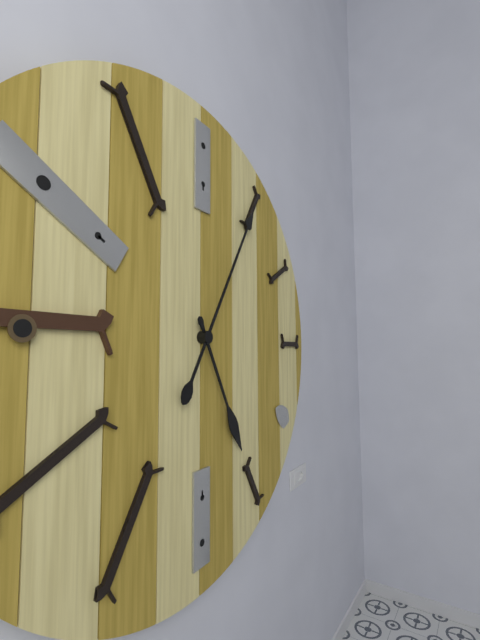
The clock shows 5.05
